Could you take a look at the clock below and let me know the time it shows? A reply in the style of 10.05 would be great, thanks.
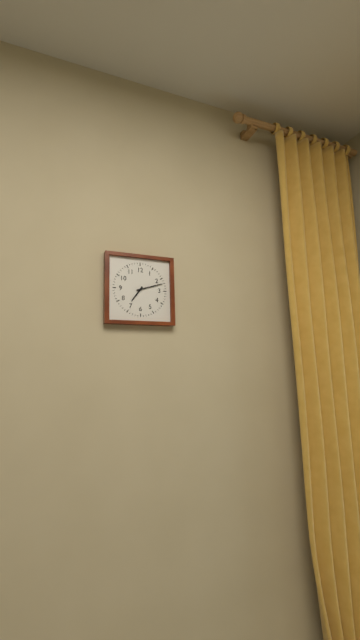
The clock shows 7.12
